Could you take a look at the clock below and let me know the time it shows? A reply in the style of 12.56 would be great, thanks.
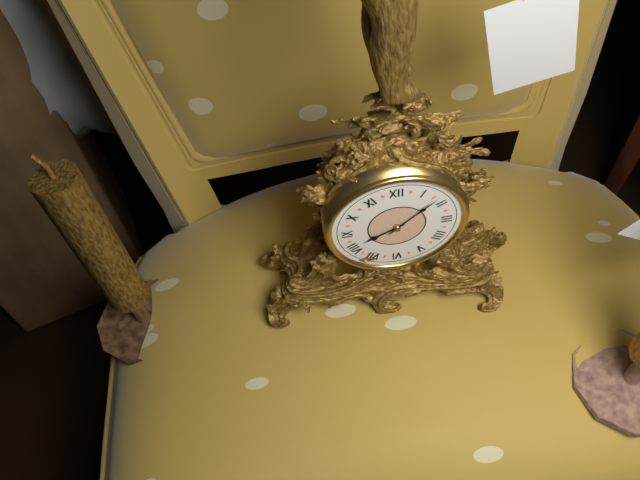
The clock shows 8.08
